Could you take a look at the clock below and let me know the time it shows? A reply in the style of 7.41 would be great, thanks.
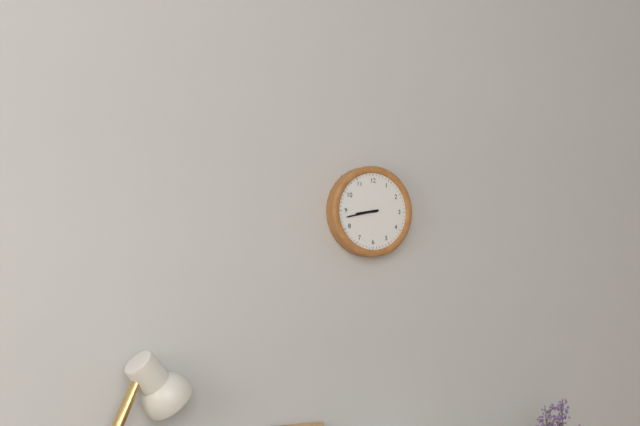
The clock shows 8.43
